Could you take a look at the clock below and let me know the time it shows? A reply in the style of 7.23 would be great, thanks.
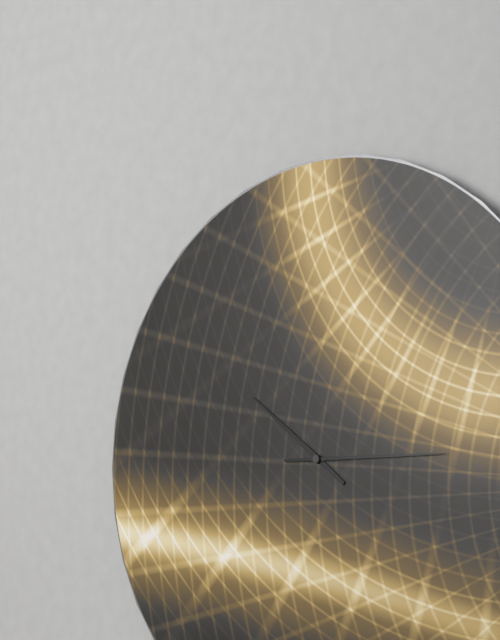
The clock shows 10.15
